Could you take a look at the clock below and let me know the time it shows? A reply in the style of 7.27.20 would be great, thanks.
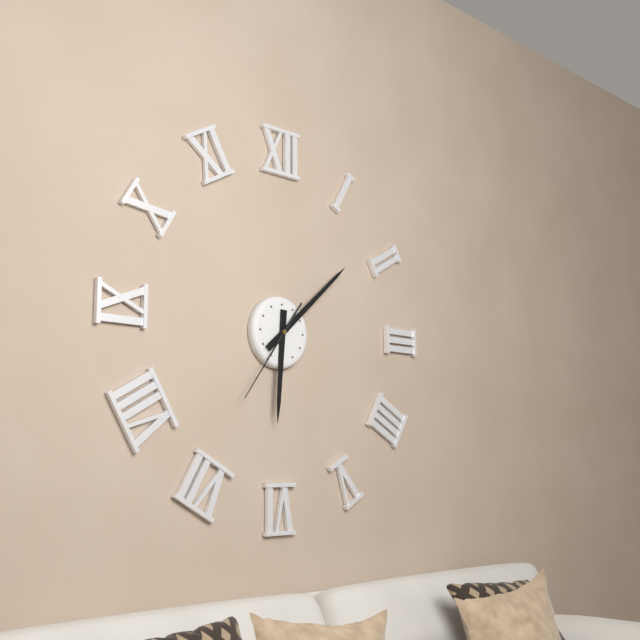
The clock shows 6.08.36
